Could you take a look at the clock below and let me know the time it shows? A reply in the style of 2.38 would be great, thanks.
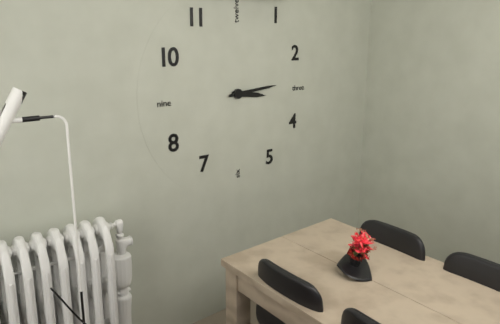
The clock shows 3.14
